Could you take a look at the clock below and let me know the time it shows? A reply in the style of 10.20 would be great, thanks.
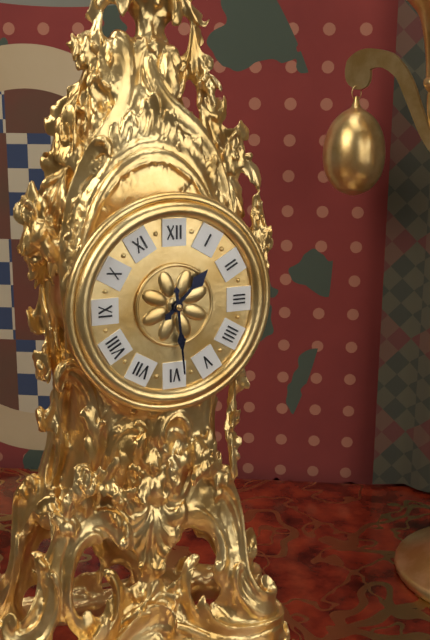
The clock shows 1.29
